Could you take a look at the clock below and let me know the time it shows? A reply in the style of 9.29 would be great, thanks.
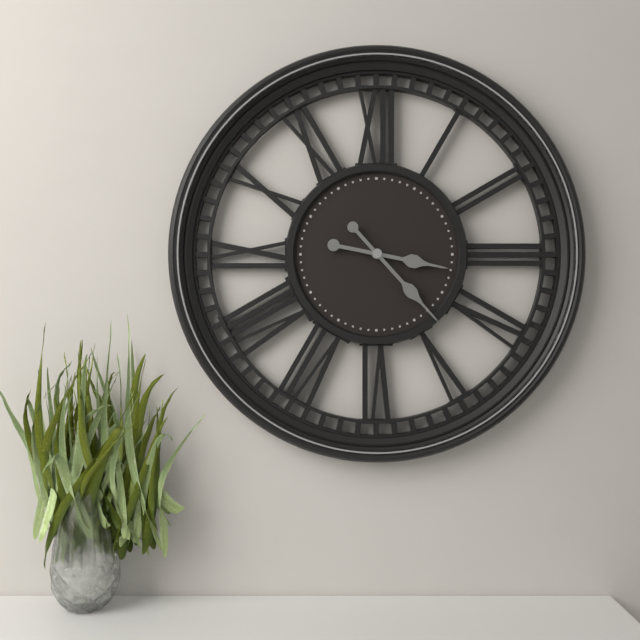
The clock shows 3.23
